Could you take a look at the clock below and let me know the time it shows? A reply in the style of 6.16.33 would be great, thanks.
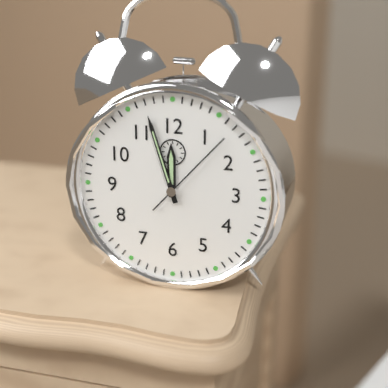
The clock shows 11.57.07
